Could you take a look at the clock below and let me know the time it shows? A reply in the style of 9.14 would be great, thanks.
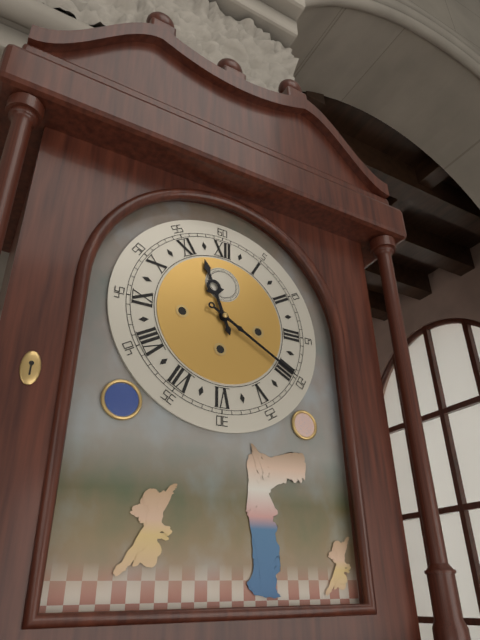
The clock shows 11.20
